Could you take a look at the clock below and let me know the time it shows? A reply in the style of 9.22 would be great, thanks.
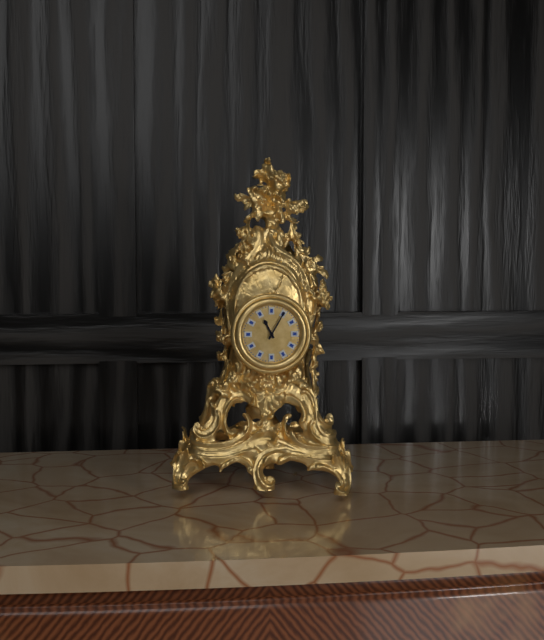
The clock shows 11.05
